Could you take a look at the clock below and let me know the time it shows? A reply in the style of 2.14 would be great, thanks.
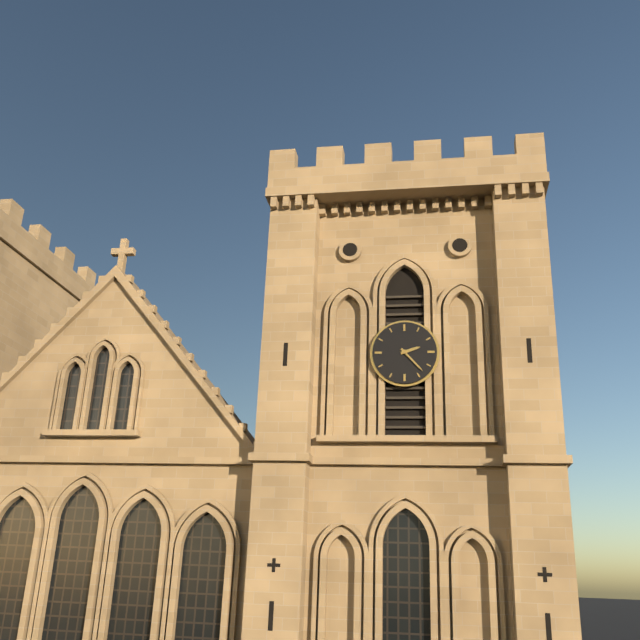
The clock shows 2.23
